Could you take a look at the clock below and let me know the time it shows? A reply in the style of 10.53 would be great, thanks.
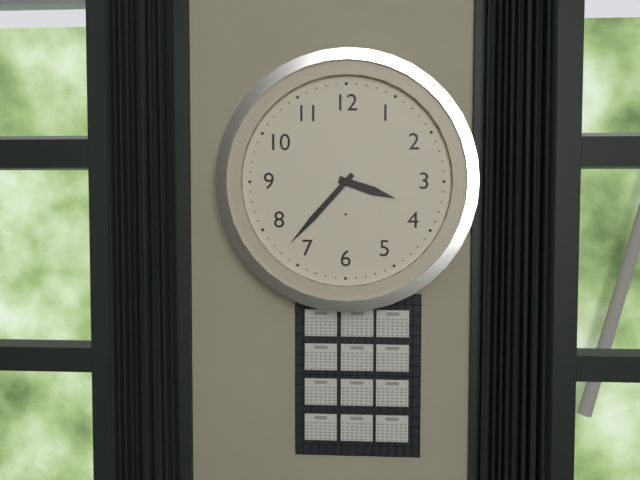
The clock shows 3.37
